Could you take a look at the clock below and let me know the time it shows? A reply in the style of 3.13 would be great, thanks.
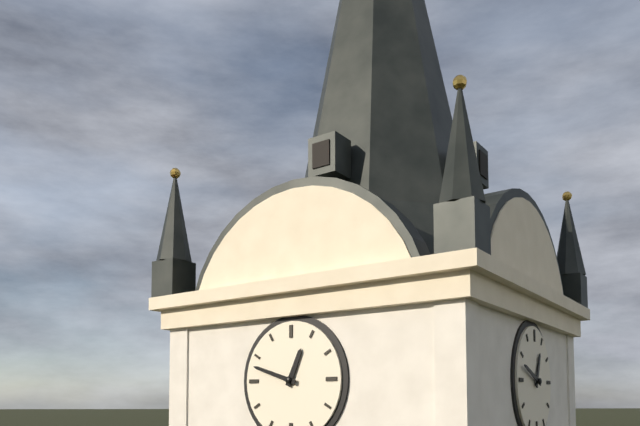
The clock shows 12.48
